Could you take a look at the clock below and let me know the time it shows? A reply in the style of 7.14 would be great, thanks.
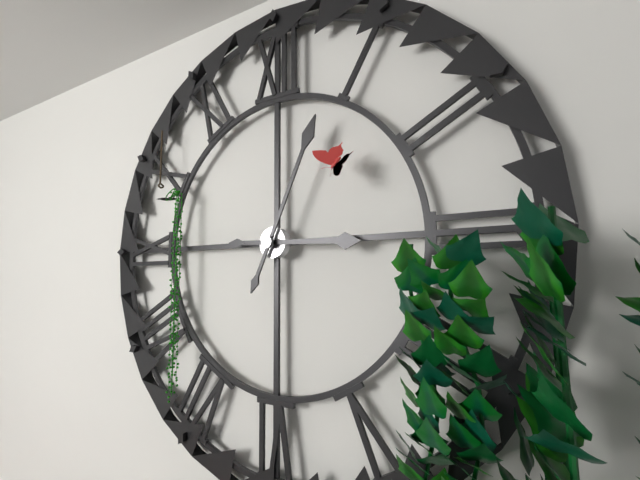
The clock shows 3.04
